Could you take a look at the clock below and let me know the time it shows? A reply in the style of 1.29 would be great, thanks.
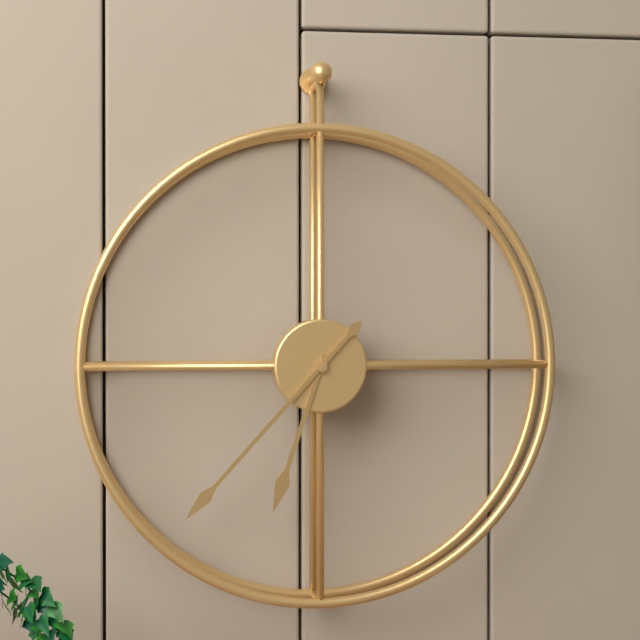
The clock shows 6.37
